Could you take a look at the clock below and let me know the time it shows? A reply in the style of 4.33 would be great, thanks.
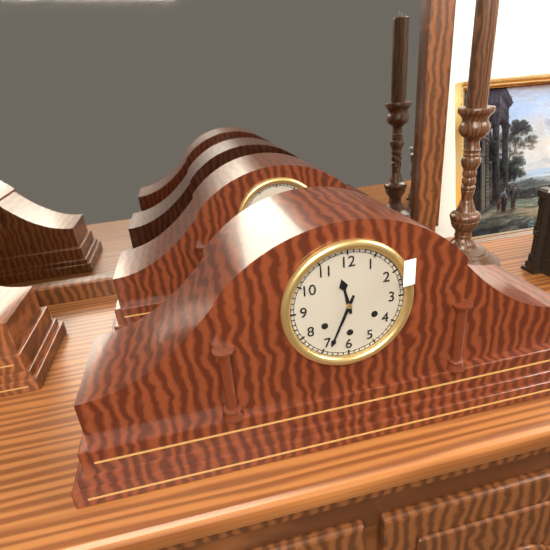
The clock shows 11.34
